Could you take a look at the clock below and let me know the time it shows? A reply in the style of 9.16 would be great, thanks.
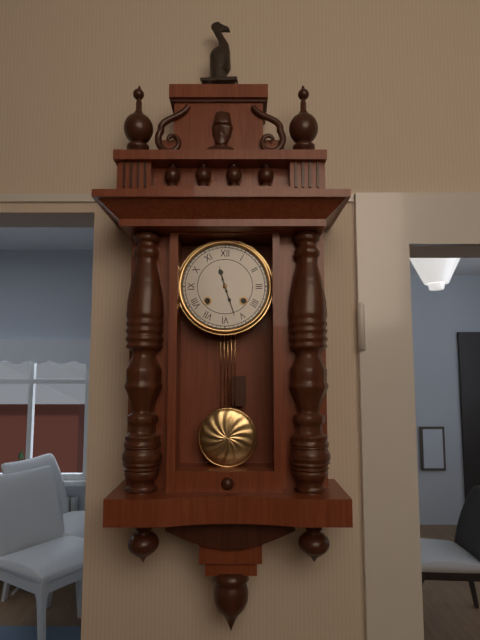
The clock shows 11.27
